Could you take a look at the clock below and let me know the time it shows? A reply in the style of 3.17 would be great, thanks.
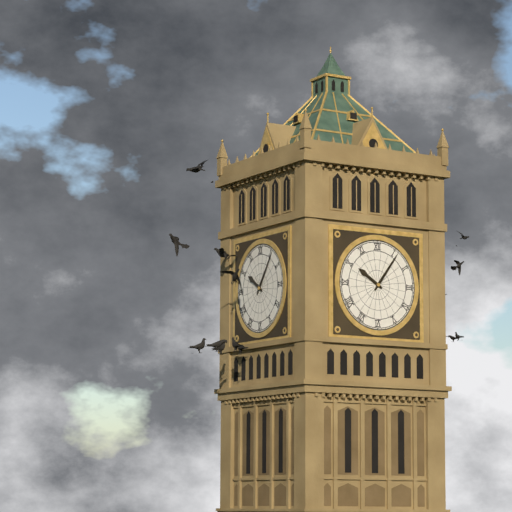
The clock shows 10.06
